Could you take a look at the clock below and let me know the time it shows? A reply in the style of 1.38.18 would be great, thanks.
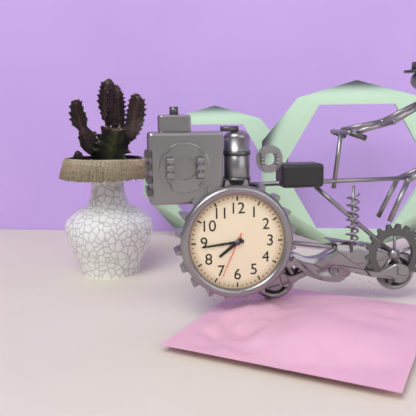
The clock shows 7.44.34
